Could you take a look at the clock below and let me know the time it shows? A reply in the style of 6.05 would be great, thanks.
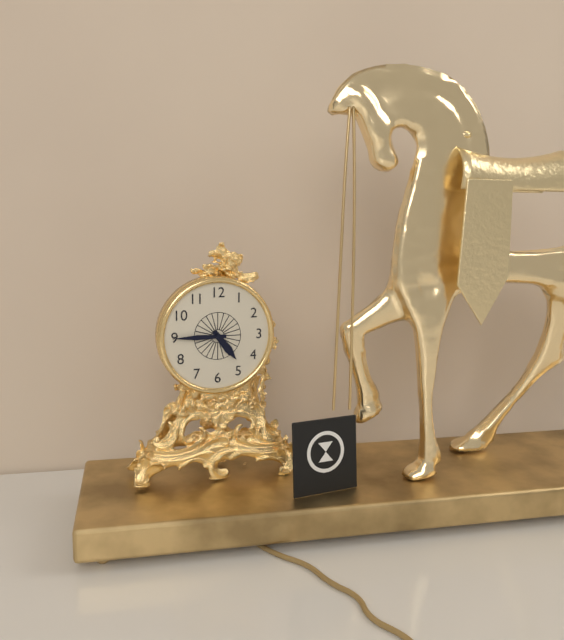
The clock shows 4.45
